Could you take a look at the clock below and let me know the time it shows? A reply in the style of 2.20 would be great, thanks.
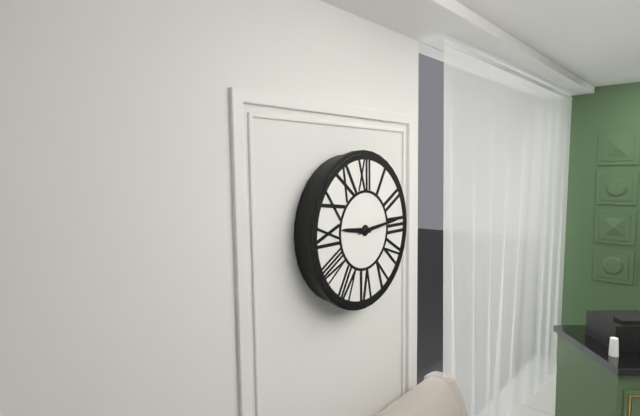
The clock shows 9.14
